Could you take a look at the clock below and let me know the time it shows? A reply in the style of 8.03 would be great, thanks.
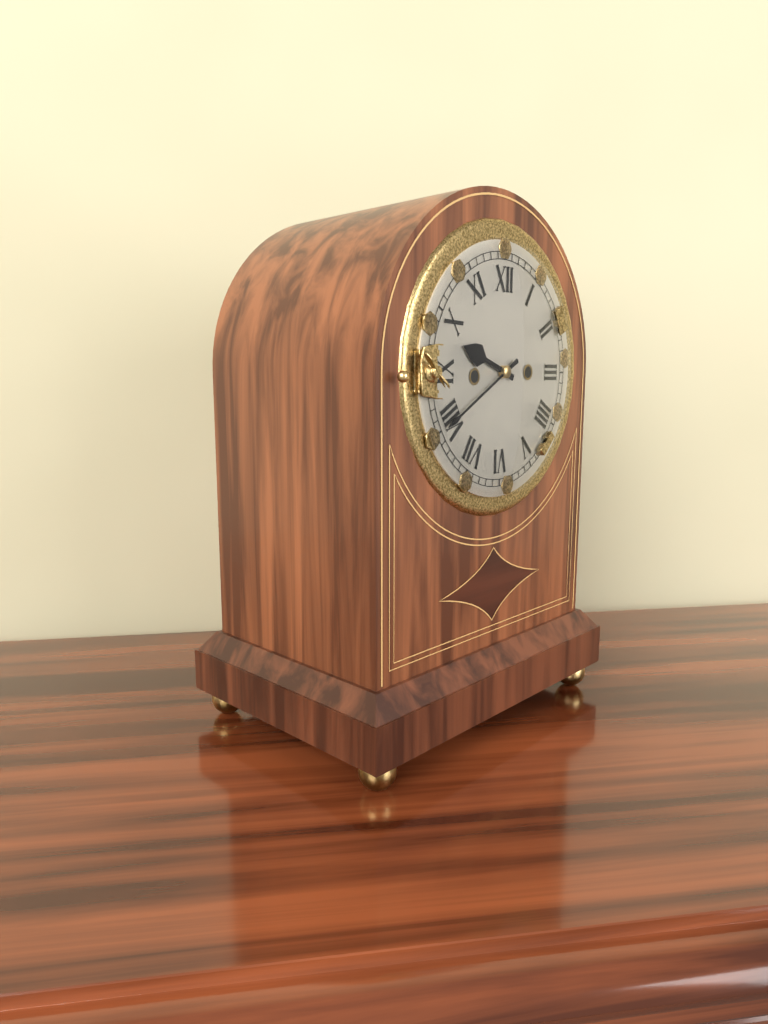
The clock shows 9.40
